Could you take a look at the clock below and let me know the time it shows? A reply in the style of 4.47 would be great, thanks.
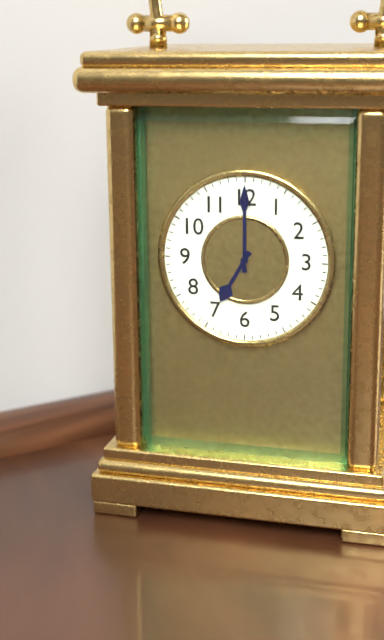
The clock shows 7.00
